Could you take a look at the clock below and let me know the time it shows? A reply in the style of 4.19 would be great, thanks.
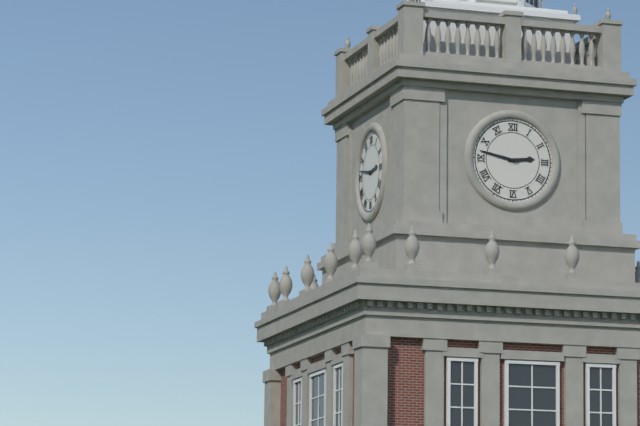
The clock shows 2.47
